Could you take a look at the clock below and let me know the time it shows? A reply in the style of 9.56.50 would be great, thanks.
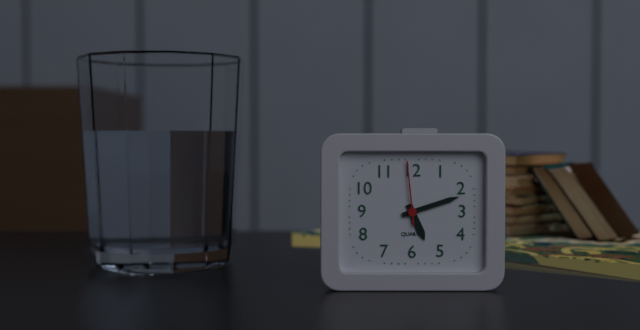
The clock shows 5.12.59
